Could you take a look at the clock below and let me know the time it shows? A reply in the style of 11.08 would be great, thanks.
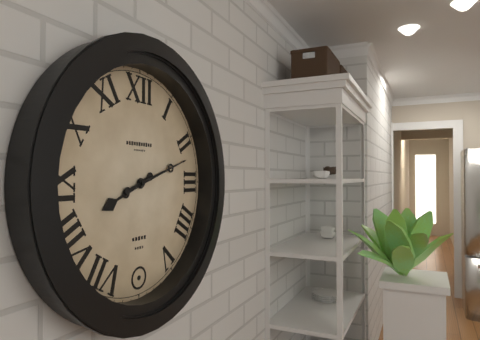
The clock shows 8.12
